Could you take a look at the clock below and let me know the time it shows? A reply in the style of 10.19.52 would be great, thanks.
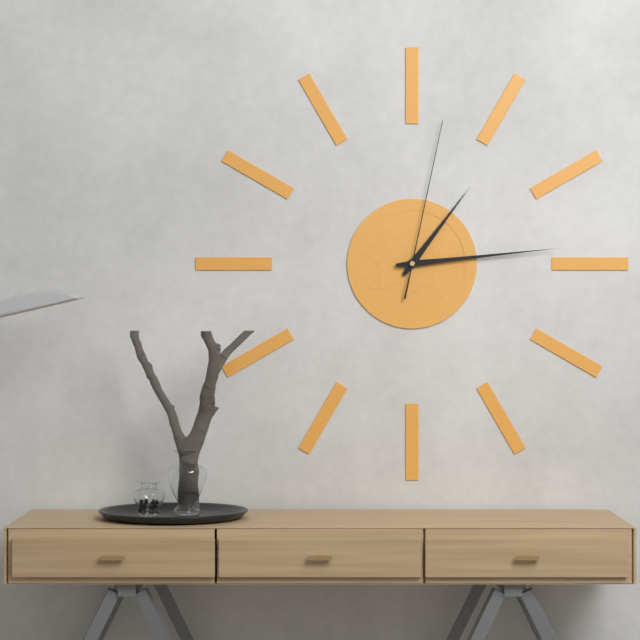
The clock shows 1.14.02
